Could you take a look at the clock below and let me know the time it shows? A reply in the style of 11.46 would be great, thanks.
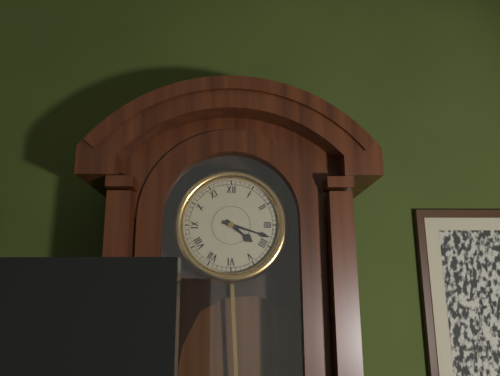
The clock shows 4.18
